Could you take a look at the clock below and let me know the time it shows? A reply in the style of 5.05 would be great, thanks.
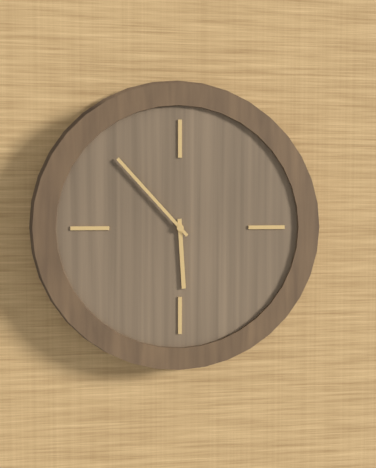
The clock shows 5.53
